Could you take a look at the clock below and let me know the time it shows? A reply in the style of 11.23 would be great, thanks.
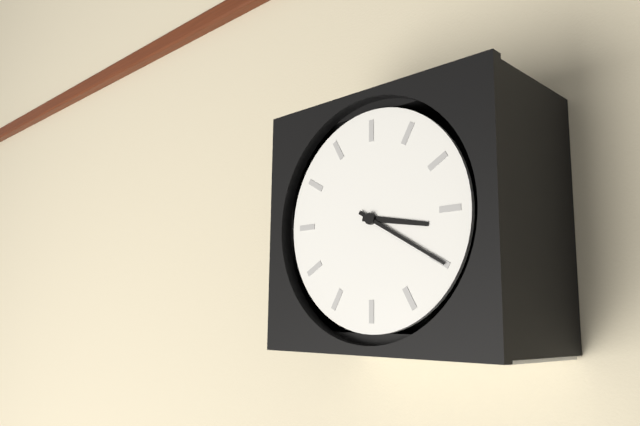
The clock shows 3.20
